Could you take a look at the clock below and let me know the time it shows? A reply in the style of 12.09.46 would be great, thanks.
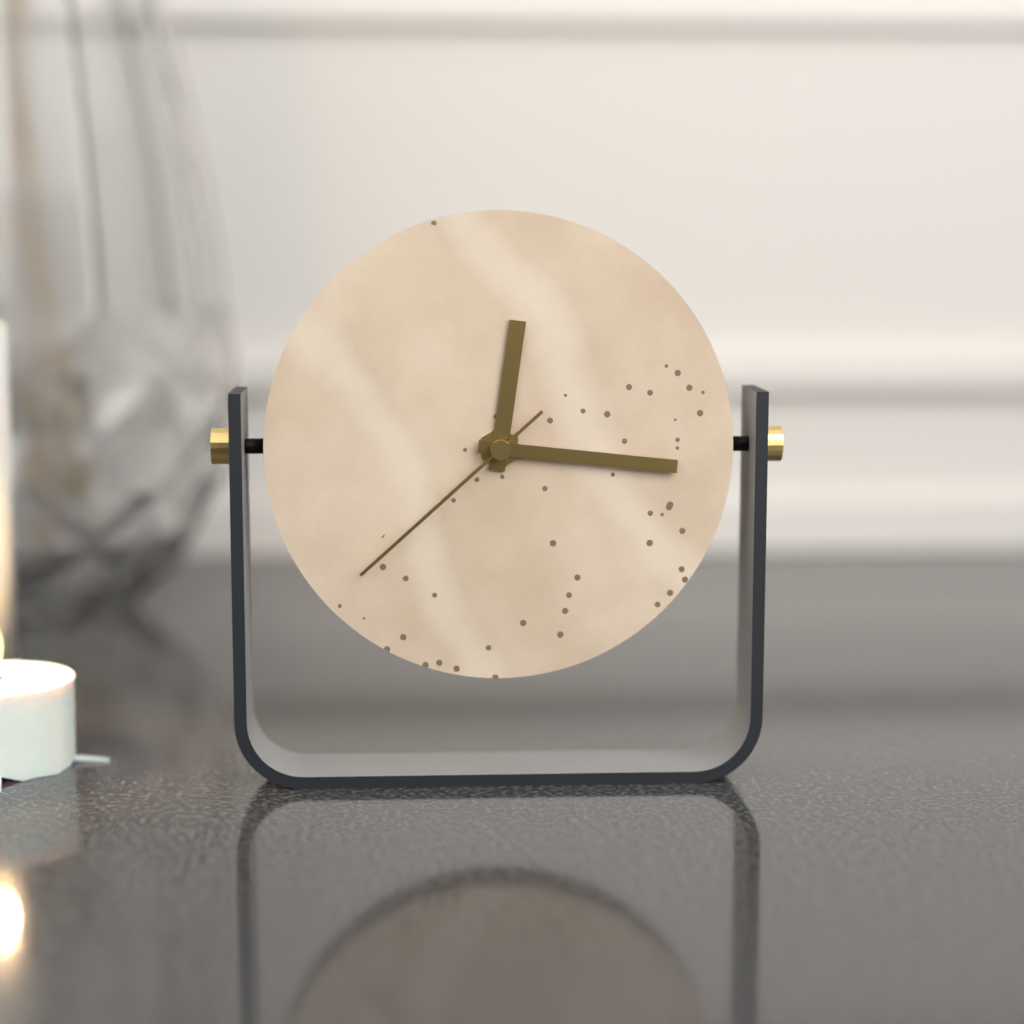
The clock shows 12.16.38
